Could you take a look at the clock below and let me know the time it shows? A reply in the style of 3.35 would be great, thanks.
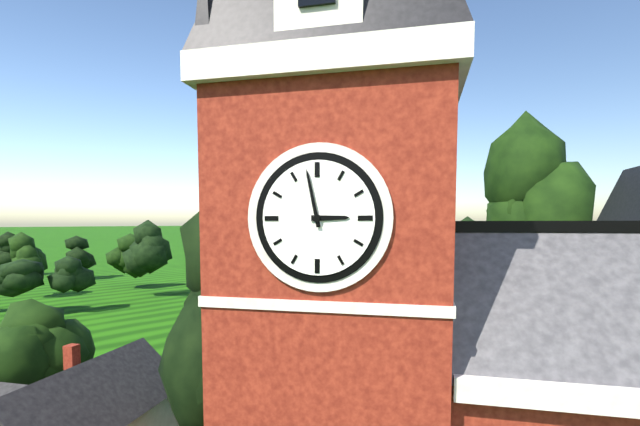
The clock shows 2.58
